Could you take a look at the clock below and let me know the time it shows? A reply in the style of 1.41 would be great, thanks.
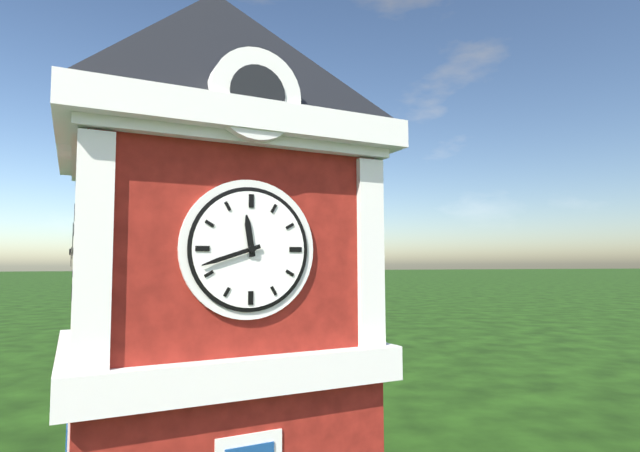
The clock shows 11.42
